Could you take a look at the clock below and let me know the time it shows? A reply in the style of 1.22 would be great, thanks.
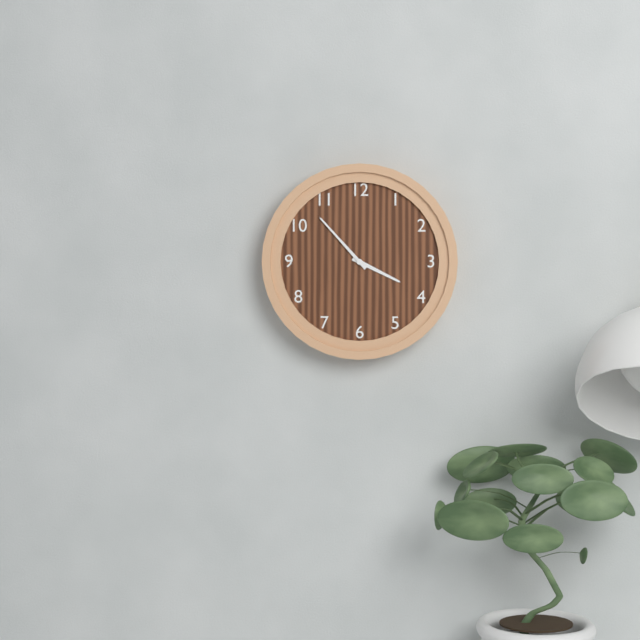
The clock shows 3.53
